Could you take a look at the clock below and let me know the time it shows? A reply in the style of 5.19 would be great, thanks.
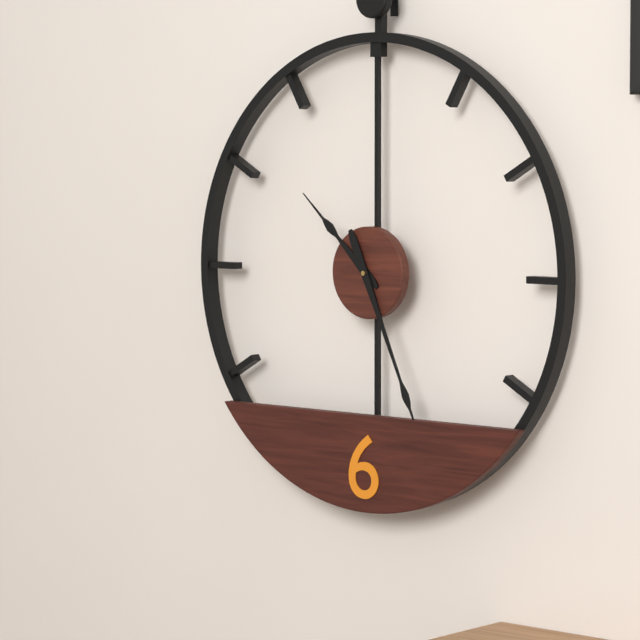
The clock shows 10.26
